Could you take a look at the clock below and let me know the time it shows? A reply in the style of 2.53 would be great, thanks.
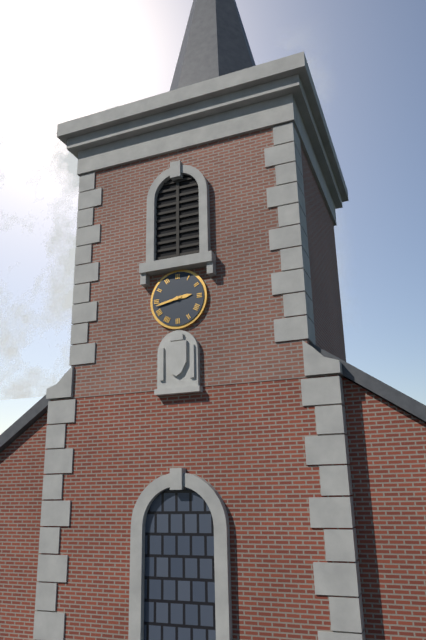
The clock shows 2.43
